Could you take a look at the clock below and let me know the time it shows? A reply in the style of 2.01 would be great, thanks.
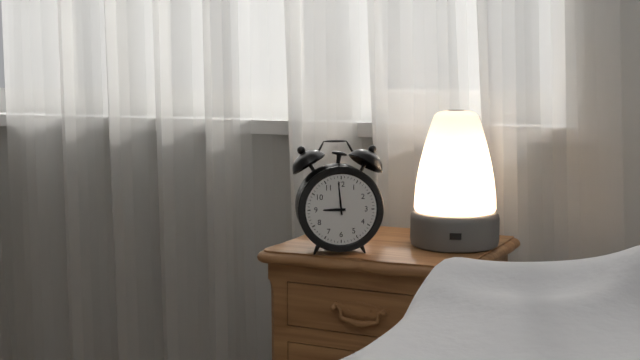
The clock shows 8.59
